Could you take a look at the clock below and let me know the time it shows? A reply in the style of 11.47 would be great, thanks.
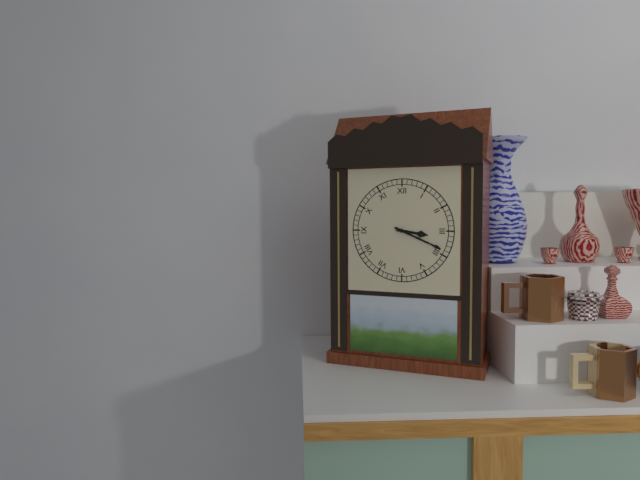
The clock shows 3.19
